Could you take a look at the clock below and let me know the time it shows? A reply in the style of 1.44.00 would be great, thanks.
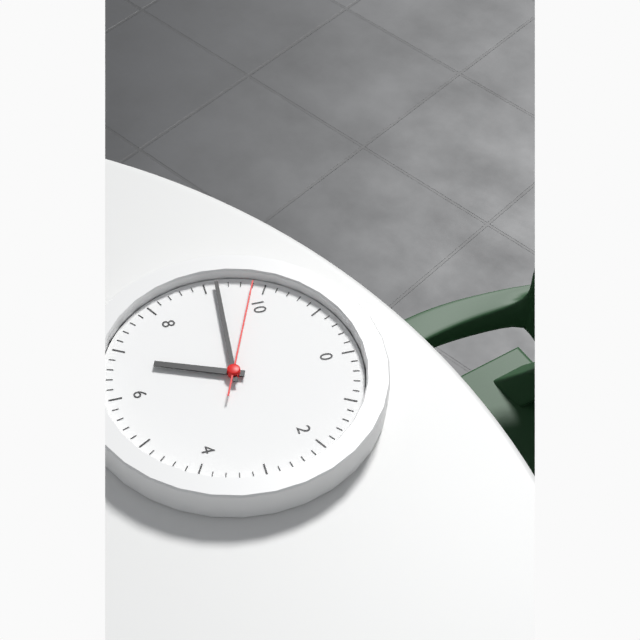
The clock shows 6.46.49
